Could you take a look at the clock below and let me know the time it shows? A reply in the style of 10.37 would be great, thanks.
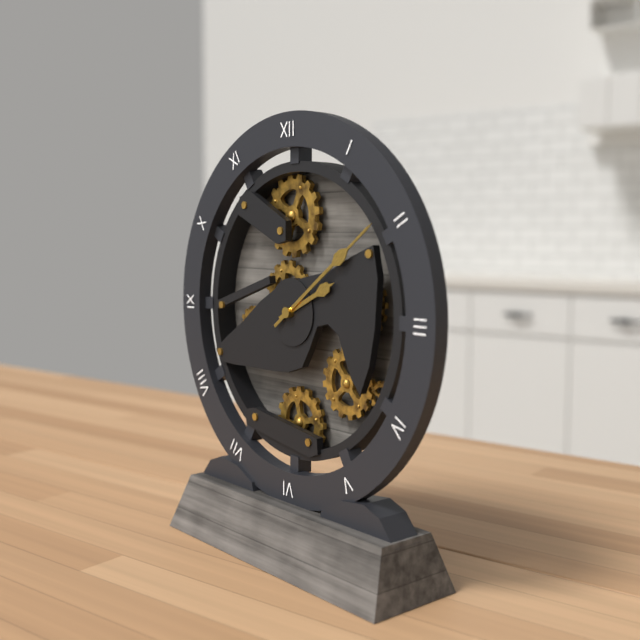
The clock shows 2.09
